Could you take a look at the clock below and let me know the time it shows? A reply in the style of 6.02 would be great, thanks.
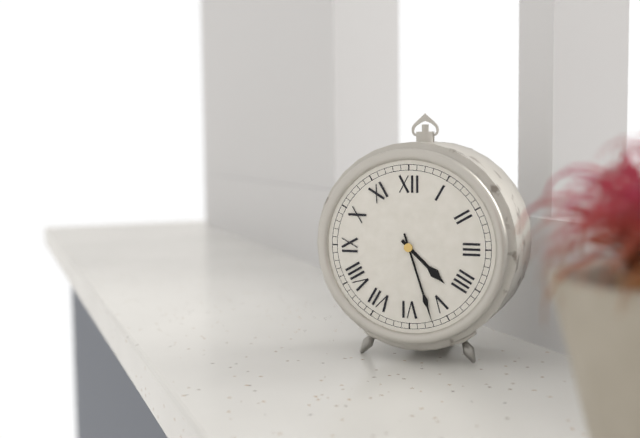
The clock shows 4.27
